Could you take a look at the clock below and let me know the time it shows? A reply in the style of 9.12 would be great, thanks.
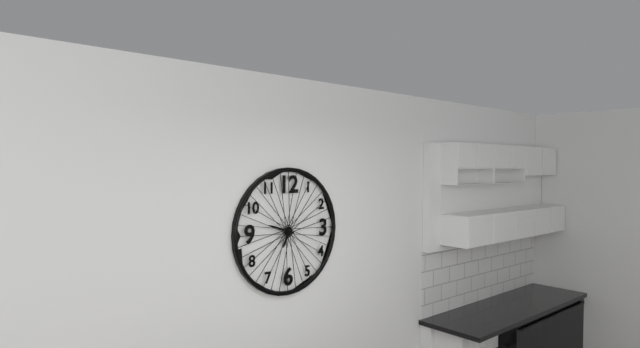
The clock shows 6.48
